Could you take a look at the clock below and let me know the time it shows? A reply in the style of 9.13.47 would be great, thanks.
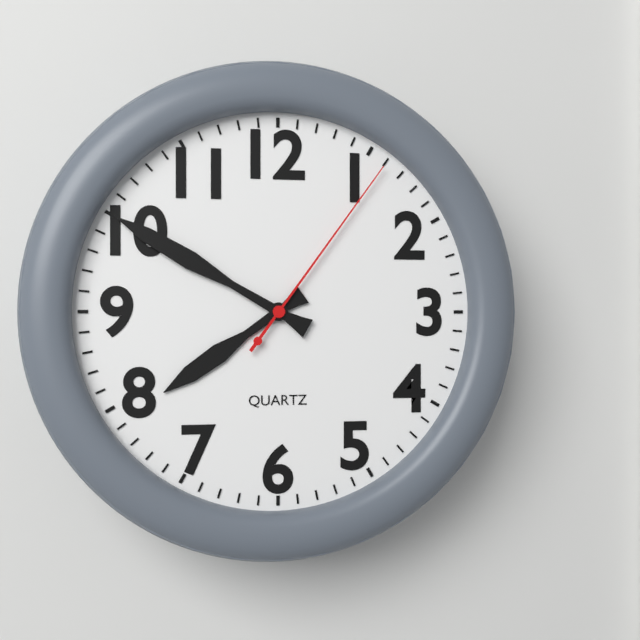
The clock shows 7.50.06
